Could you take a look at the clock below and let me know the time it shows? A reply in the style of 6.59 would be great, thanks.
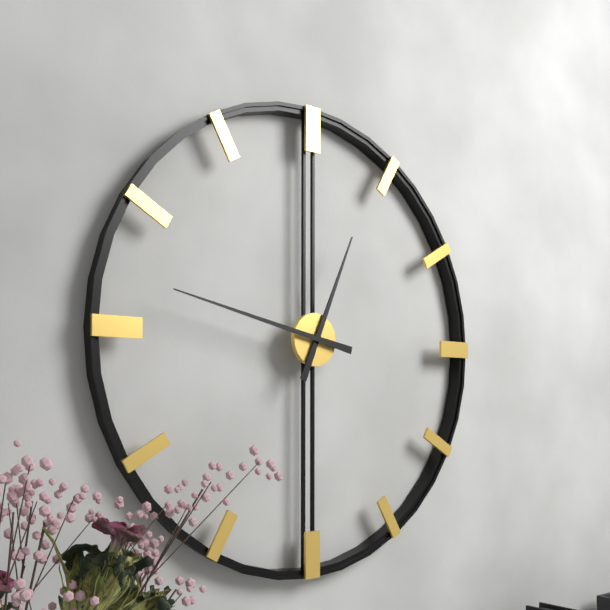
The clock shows 12.47
